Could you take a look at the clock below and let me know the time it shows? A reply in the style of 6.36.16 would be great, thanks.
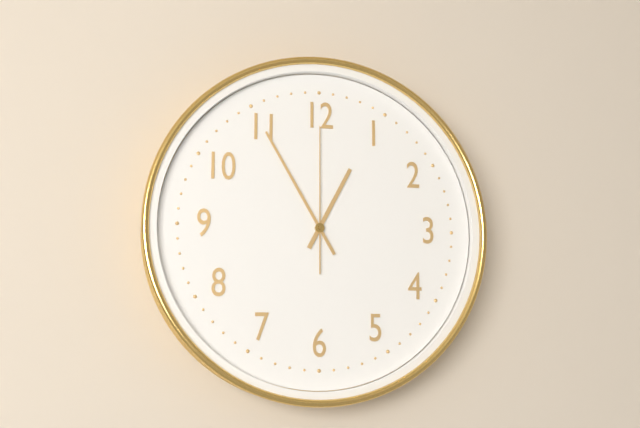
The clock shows 12.55.00
